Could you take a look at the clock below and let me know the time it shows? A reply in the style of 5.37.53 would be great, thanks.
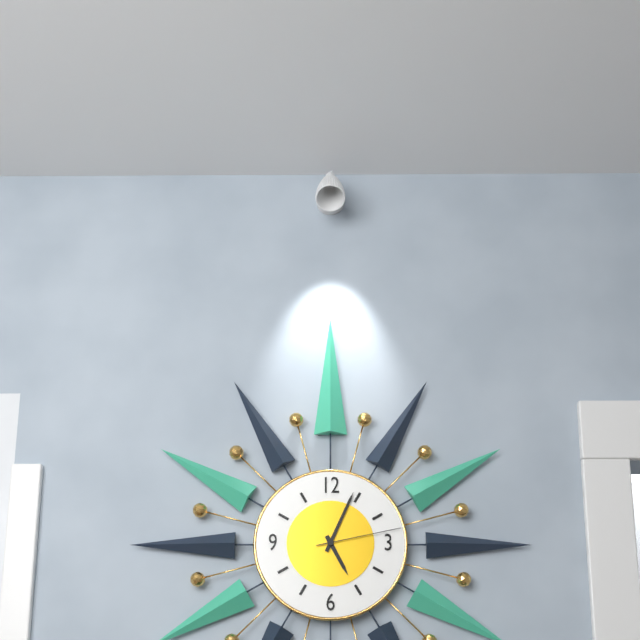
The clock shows 5.04.13
